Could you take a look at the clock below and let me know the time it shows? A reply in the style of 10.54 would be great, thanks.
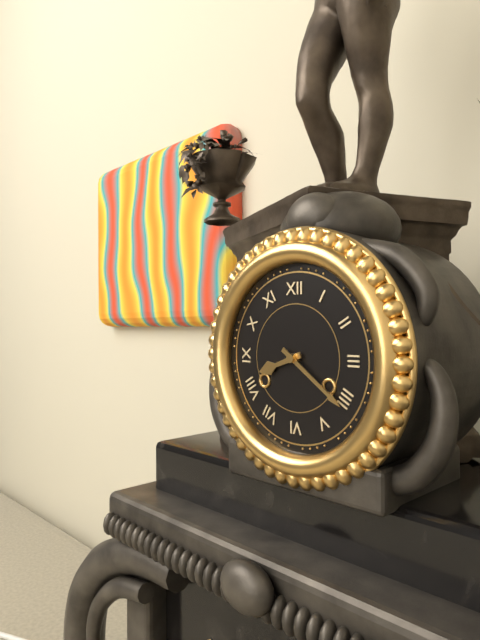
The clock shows 8.21
